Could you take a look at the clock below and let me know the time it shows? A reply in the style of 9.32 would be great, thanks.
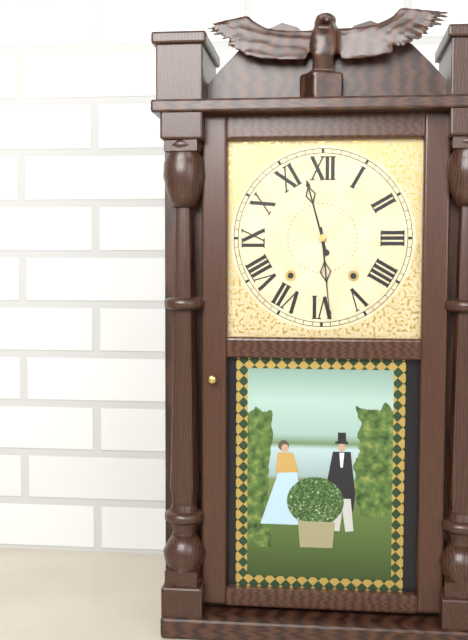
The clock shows 11.29
